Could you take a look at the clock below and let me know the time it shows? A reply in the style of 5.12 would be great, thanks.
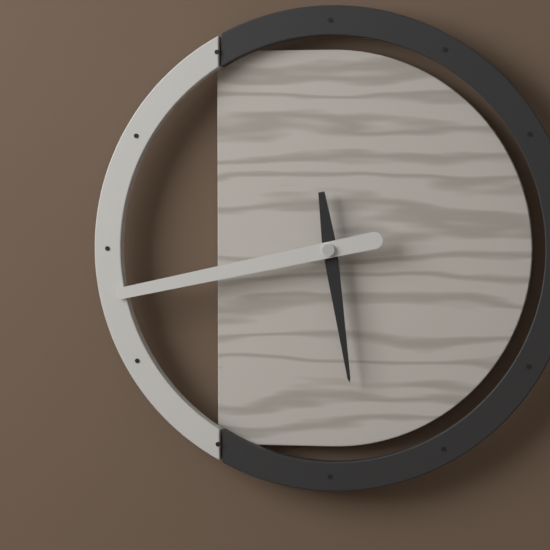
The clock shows 5.43
